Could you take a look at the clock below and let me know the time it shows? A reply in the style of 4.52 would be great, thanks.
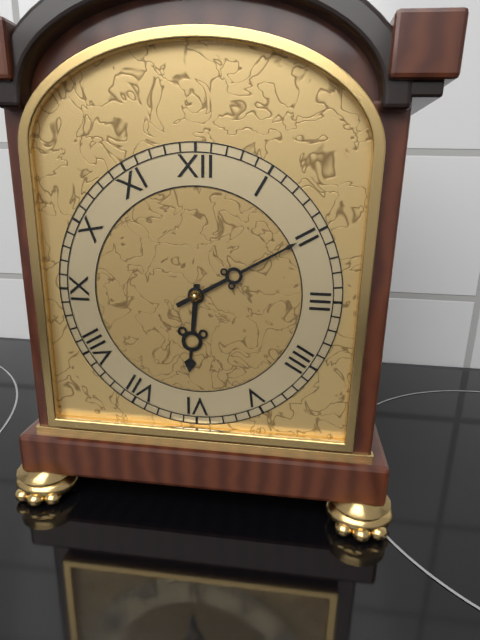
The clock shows 6.10
